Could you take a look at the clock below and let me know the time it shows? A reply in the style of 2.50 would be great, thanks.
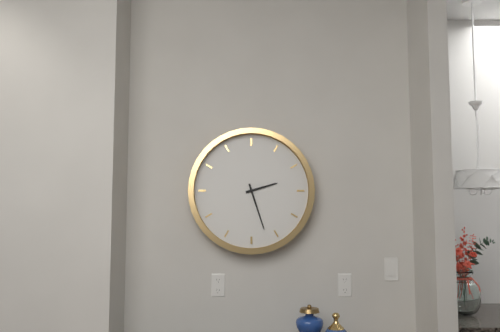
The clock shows 2.27
